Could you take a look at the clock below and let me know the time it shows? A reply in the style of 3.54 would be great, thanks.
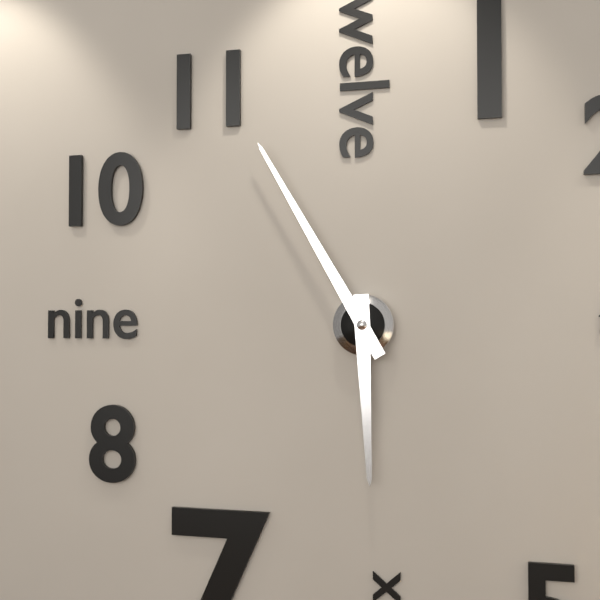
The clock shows 5.55
